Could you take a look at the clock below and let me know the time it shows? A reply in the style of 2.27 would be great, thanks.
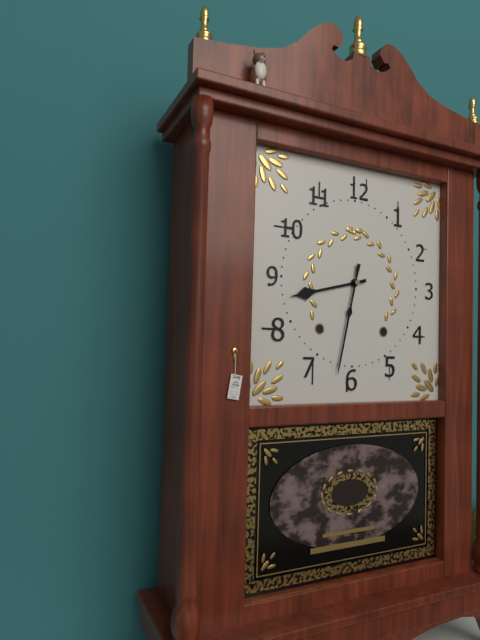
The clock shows 8.32
